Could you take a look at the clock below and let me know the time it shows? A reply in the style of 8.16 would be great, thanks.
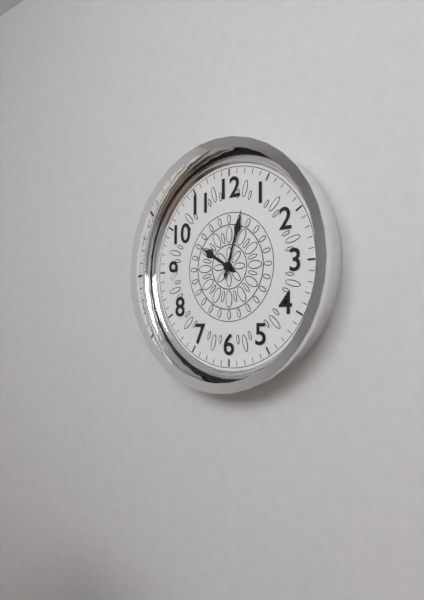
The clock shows 10.03
